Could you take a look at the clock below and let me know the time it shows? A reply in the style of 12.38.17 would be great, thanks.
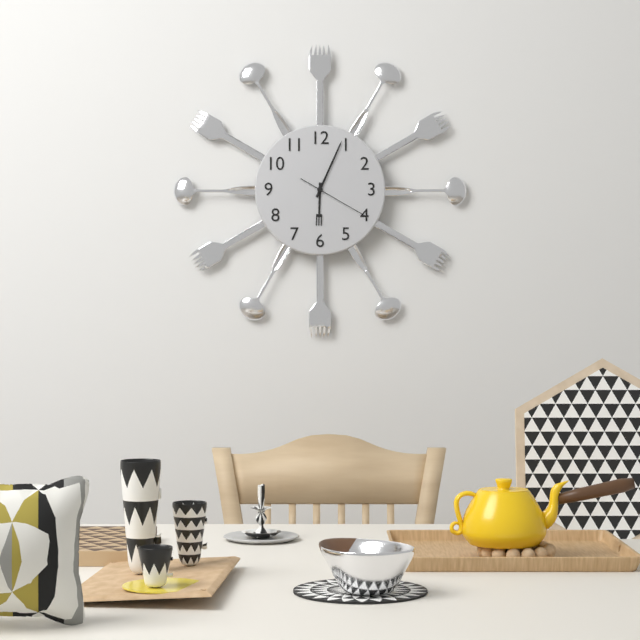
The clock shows 6.04.20
